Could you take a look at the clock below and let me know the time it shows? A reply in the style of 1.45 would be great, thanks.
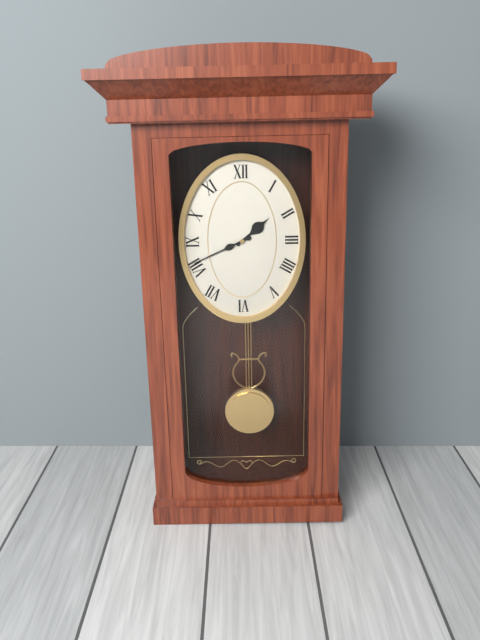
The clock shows 1.41
